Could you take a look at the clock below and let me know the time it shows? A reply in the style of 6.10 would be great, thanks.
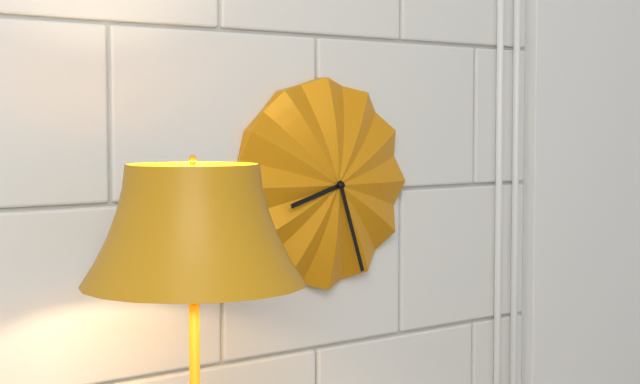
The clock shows 8.27
